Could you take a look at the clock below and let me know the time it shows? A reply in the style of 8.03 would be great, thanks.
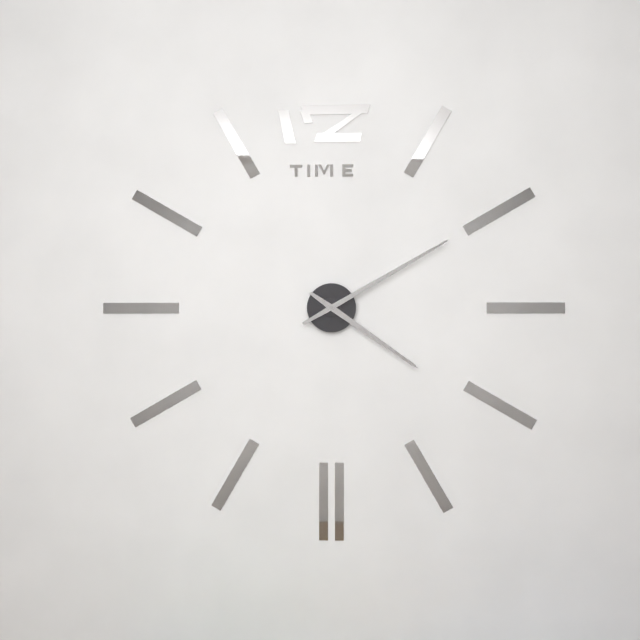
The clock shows 4.10
